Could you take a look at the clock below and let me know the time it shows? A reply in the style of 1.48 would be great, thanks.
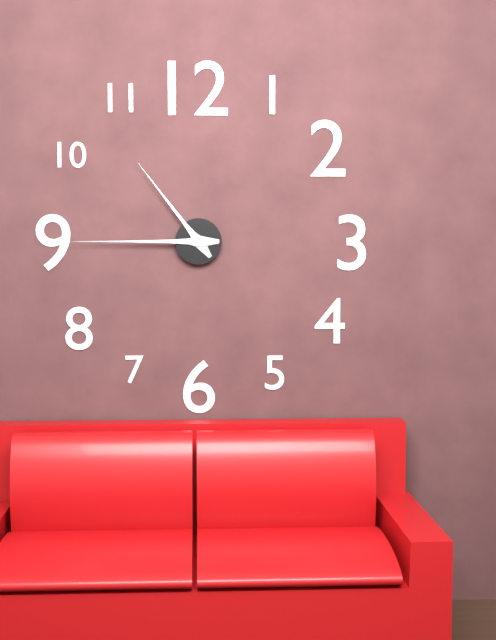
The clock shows 10.45
